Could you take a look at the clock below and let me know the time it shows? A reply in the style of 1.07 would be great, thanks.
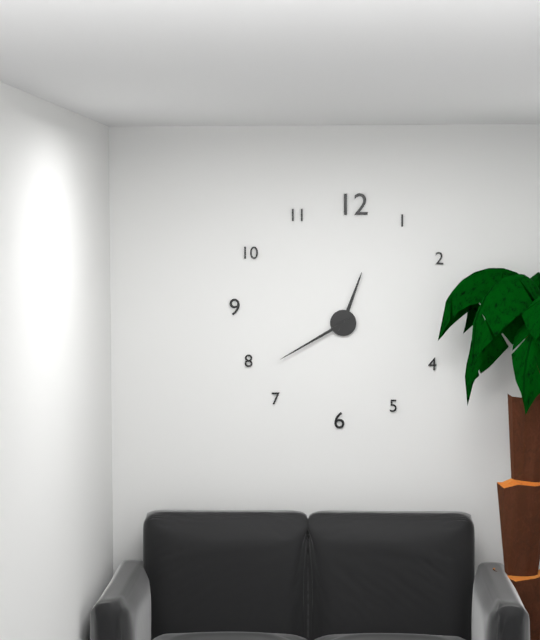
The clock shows 12.40
